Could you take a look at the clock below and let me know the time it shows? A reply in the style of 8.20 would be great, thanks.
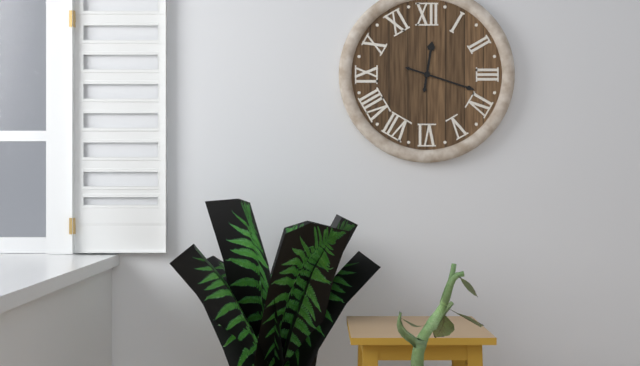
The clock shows 12.18
